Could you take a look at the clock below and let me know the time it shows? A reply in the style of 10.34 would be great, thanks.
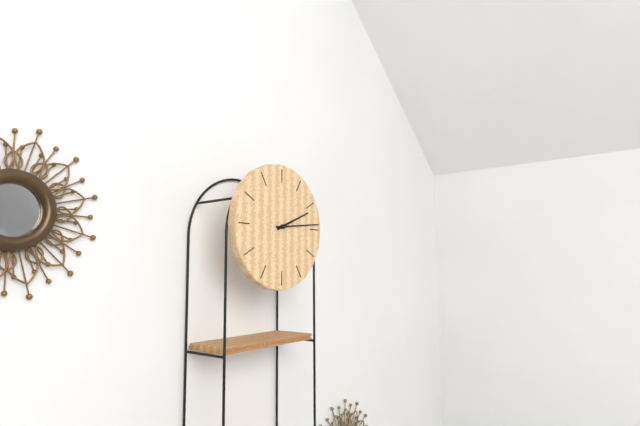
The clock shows 2.14
